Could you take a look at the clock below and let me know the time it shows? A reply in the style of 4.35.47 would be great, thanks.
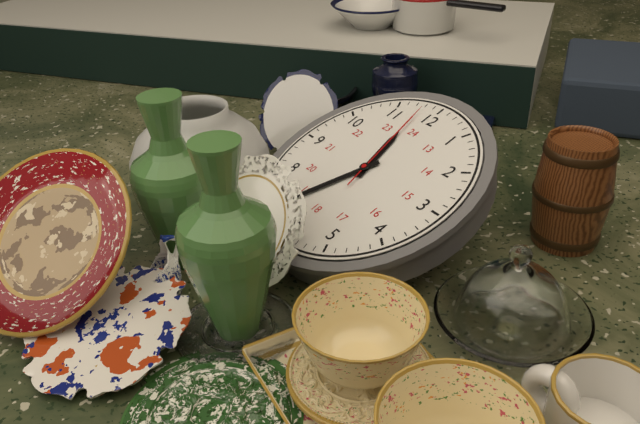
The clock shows 11.34.58
